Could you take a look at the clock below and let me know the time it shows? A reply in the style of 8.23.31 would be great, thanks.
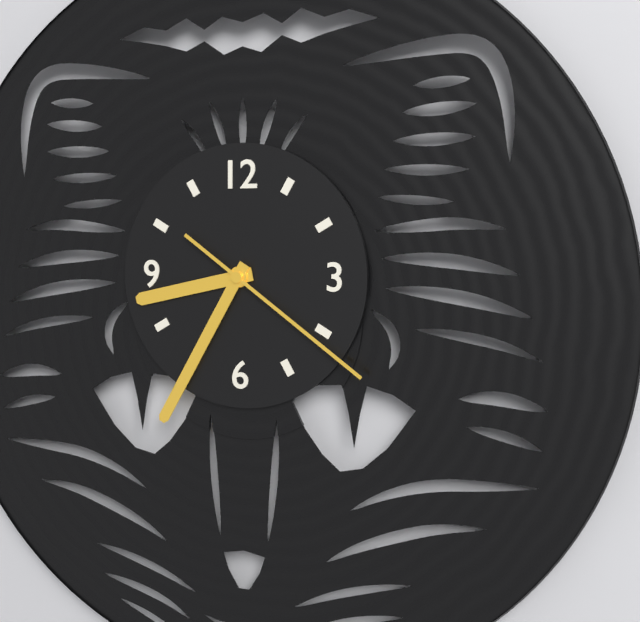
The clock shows 8.35.21
